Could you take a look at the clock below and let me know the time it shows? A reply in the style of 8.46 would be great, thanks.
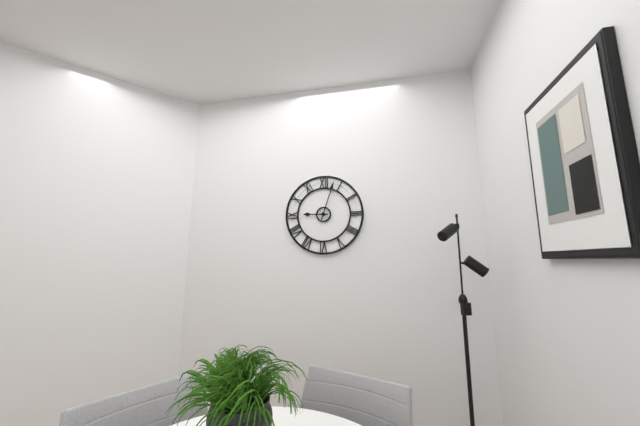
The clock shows 9.03
